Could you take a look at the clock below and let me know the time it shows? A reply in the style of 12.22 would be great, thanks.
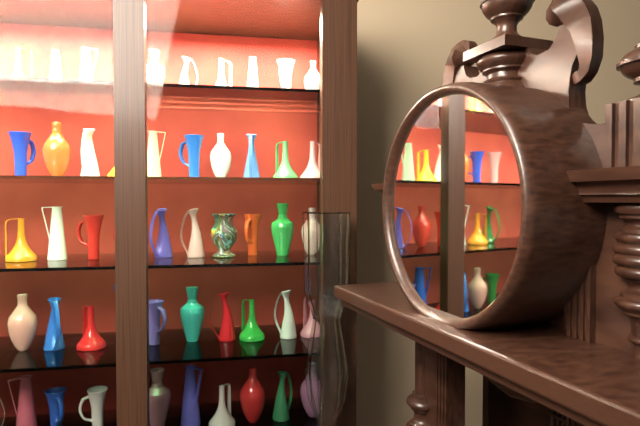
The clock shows 2.31
